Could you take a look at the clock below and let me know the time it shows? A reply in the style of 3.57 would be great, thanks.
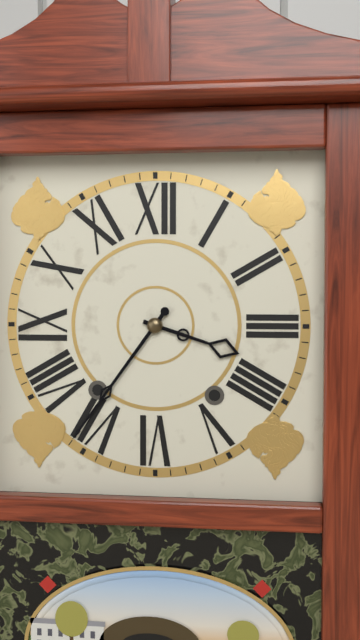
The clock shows 3.36
